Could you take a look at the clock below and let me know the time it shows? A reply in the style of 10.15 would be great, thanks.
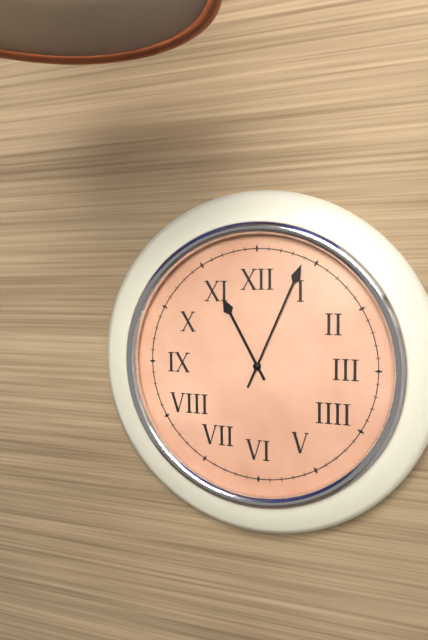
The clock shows 11.04
